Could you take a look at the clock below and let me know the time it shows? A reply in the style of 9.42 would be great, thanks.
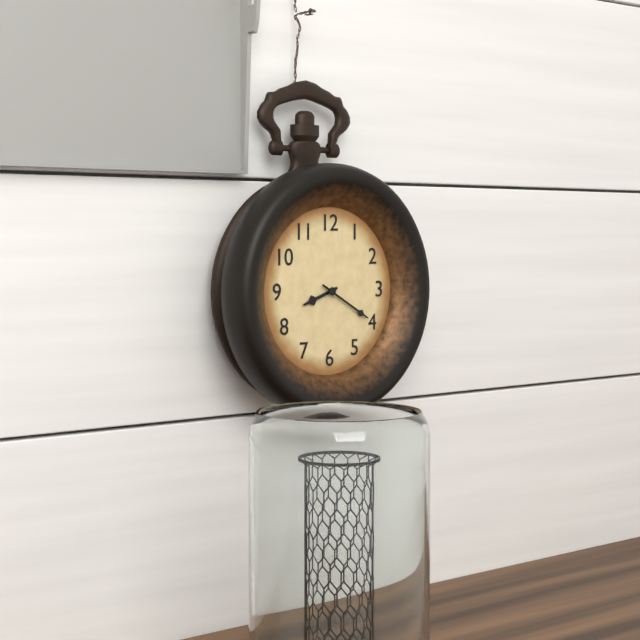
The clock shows 8.20
